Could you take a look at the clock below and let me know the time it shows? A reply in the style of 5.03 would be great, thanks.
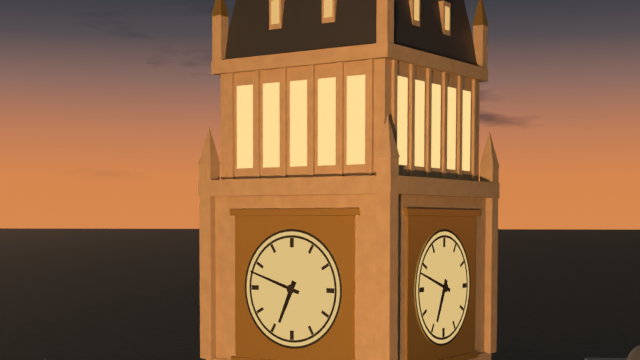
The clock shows 6.48
